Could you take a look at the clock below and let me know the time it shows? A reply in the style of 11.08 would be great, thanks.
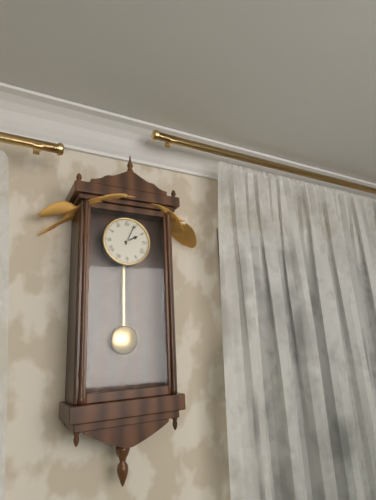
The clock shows 2.04
